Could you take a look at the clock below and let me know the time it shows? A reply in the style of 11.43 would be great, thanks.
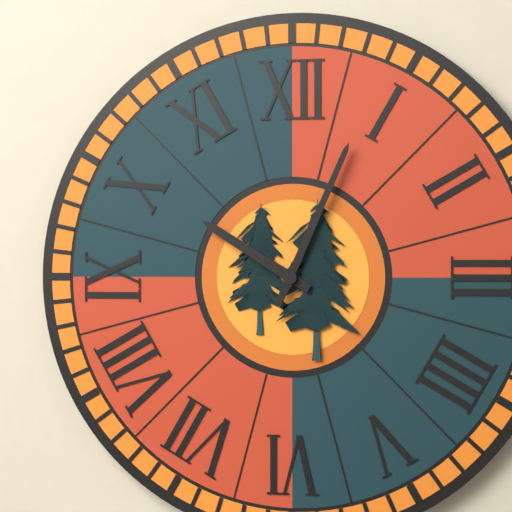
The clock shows 10.04
